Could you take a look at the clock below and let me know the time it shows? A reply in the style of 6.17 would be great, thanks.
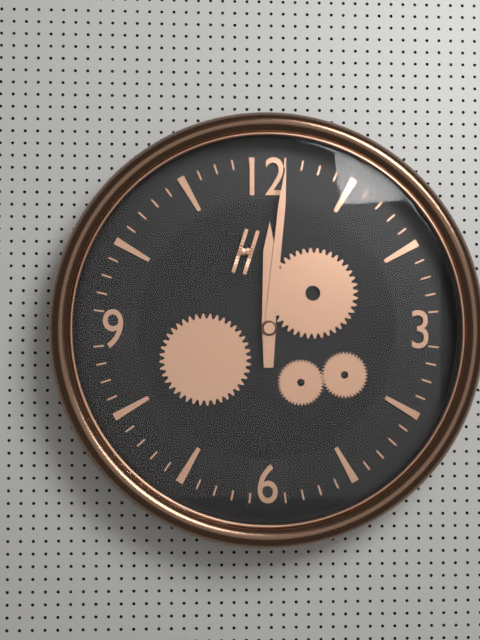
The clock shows 12.01
